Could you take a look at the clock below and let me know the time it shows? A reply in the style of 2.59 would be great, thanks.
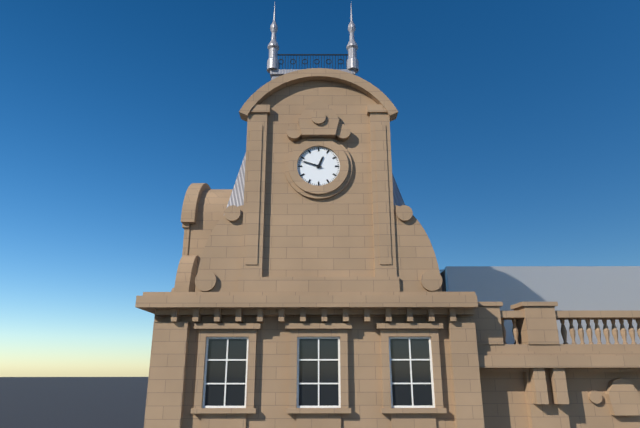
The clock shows 12.48
